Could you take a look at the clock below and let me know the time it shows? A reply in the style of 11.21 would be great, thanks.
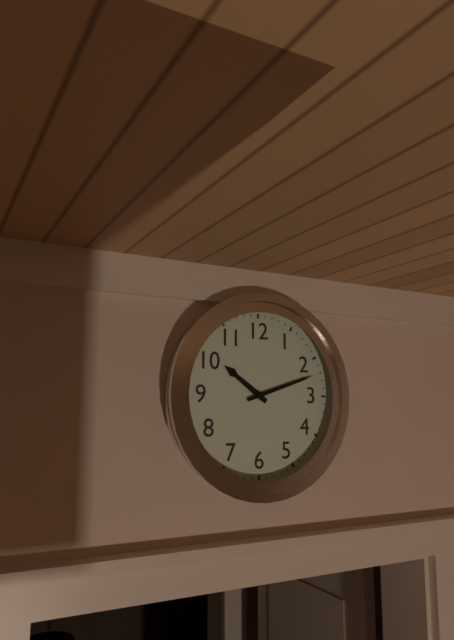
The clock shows 10.12
